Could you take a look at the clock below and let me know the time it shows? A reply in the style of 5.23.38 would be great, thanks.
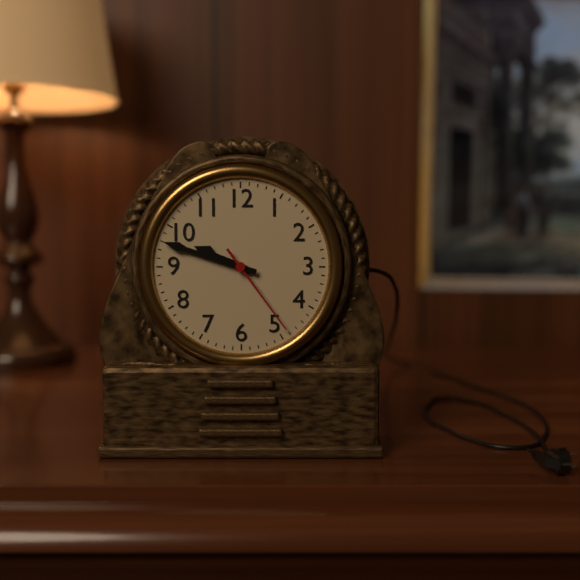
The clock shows 9.48.24
